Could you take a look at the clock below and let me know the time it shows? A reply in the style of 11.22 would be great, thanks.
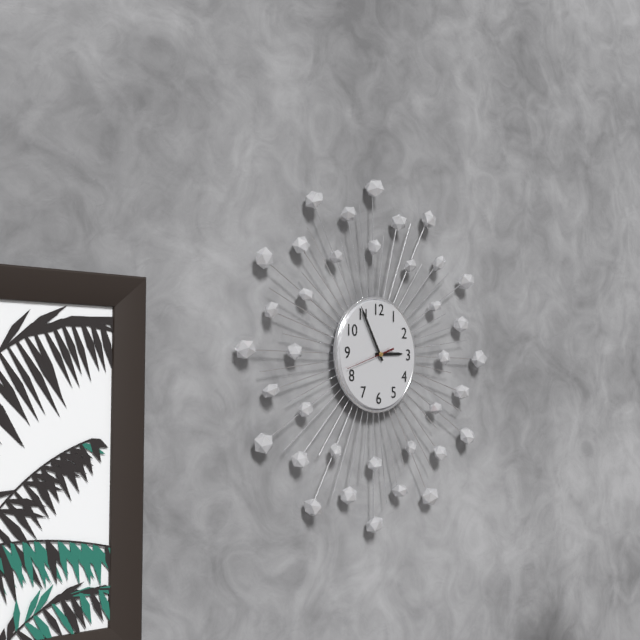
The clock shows 2.55
